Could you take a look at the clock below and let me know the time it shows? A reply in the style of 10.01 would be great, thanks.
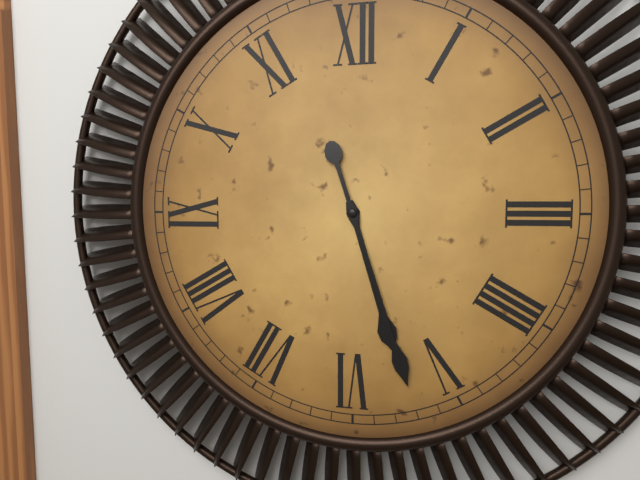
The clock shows 5.27
